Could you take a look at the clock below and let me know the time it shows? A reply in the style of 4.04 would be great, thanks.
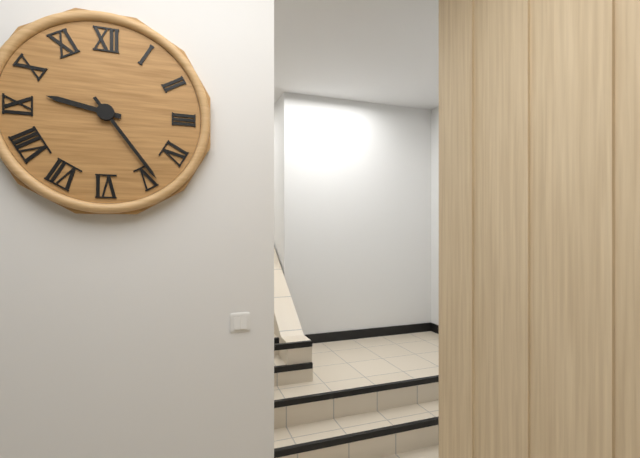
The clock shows 9.24
